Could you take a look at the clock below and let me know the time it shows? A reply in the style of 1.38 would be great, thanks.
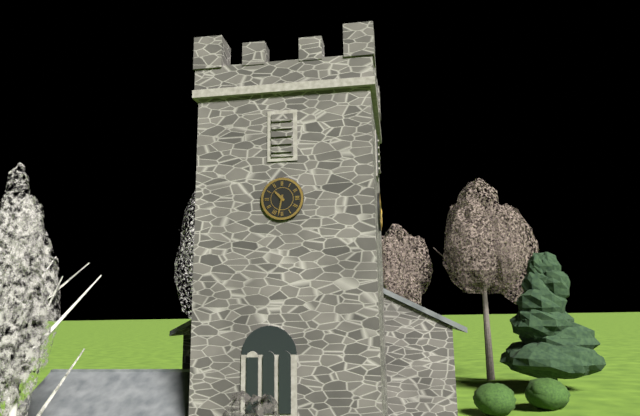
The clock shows 10.32
